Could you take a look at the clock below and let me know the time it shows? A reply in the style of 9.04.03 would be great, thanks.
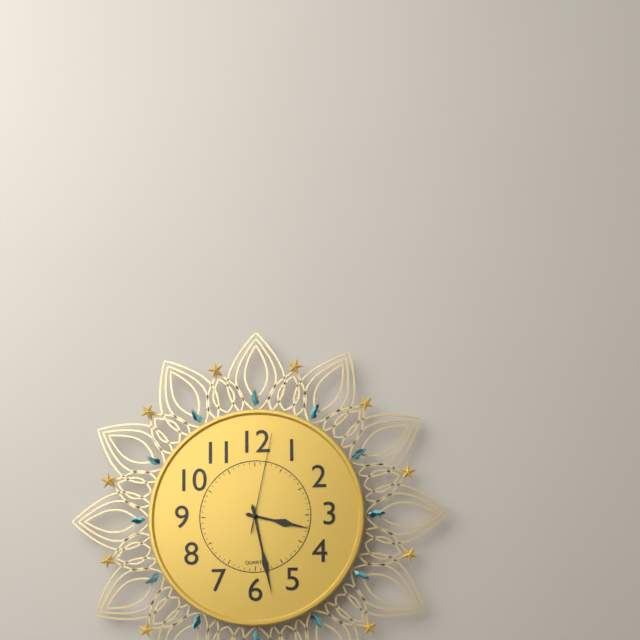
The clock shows 3.28.02
